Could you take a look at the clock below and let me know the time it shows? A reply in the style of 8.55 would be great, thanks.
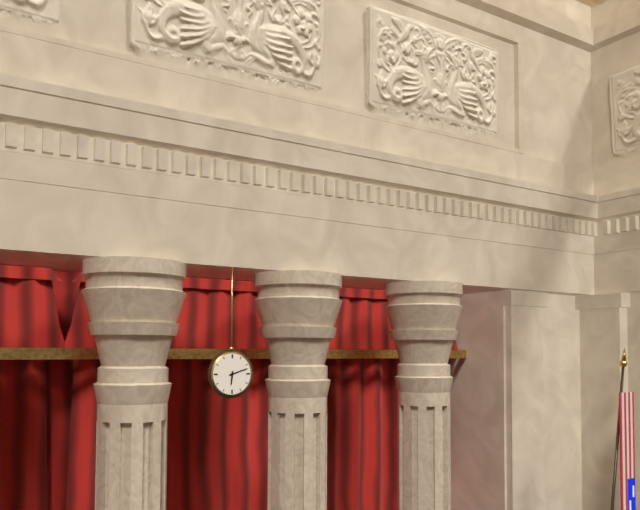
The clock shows 6.12
